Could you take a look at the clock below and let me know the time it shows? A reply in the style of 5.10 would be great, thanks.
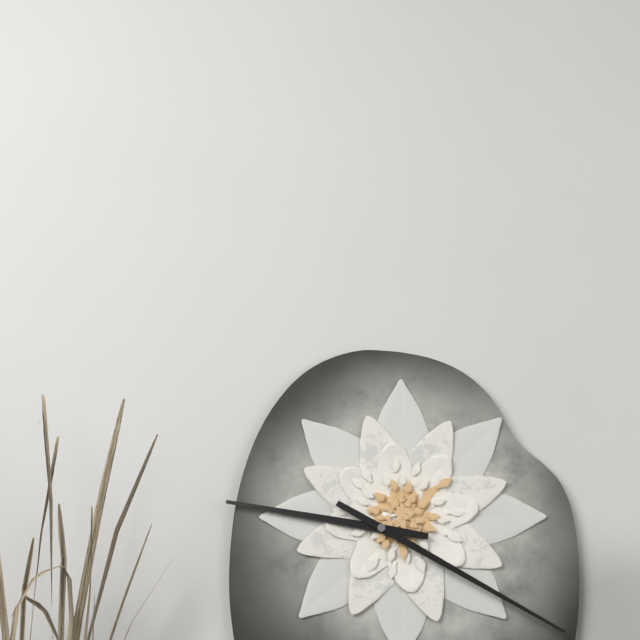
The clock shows 9.20
